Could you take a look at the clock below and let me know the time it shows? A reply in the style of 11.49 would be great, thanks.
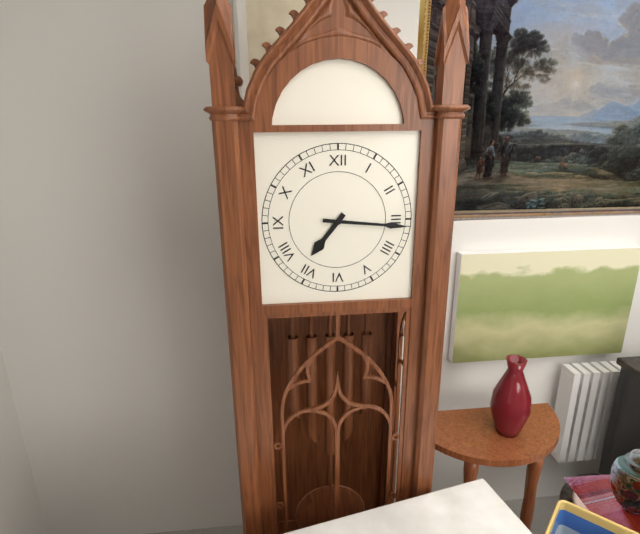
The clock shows 7.16
